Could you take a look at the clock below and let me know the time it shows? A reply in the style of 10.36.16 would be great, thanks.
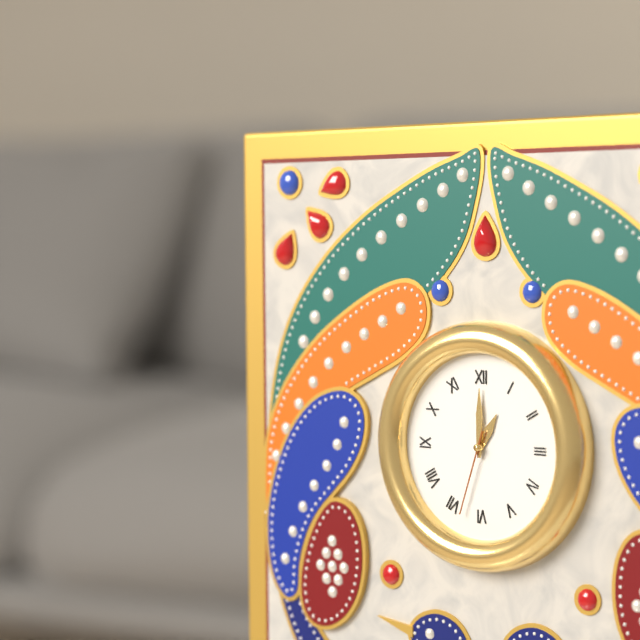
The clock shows 1.00.33
